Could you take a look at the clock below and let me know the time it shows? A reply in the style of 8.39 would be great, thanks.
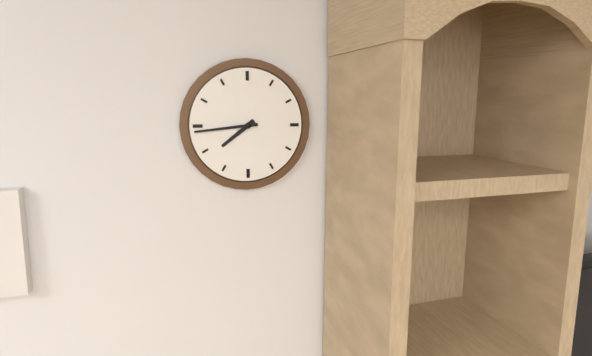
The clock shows 7.44
